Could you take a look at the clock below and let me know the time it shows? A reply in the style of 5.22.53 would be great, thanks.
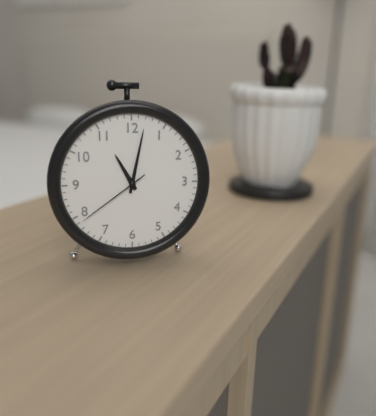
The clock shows 11.02.39
